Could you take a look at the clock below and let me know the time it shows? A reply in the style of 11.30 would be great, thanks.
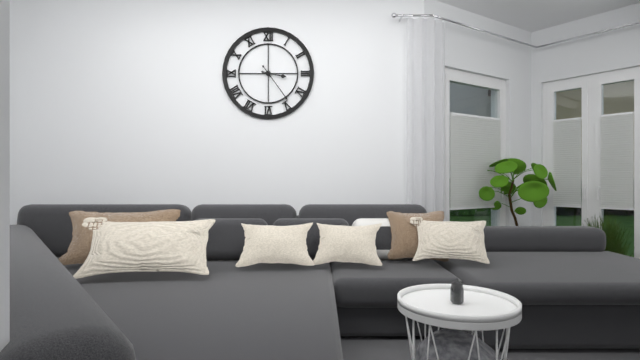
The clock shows 3.24
